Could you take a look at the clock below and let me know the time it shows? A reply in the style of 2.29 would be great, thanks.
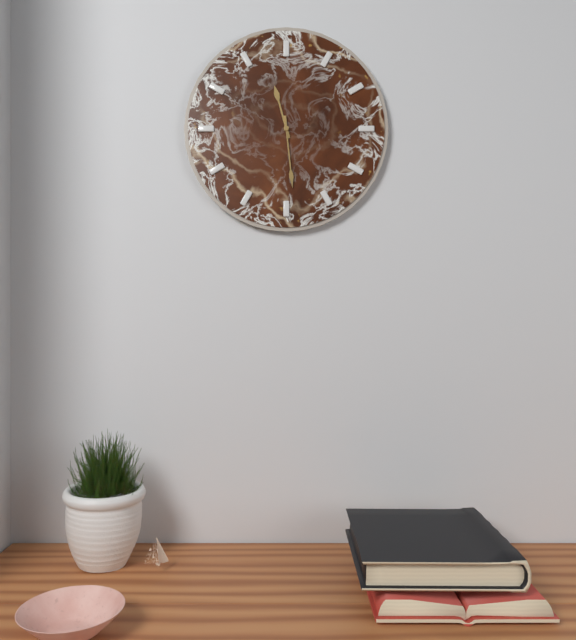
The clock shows 11.29
